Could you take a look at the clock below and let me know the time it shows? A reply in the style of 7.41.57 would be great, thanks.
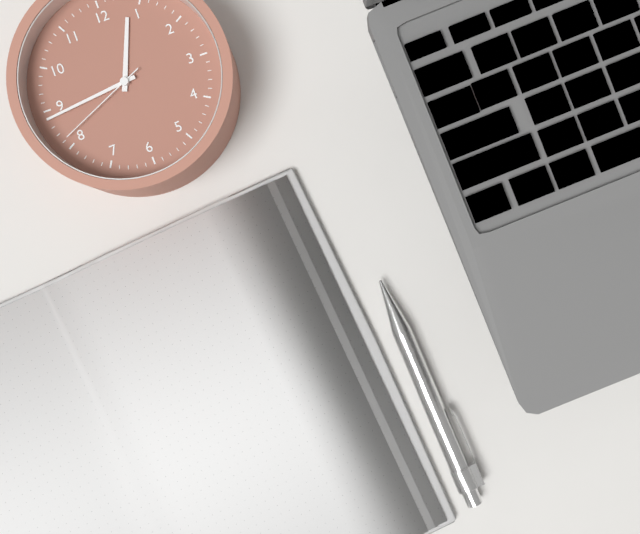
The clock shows 12.44.41
